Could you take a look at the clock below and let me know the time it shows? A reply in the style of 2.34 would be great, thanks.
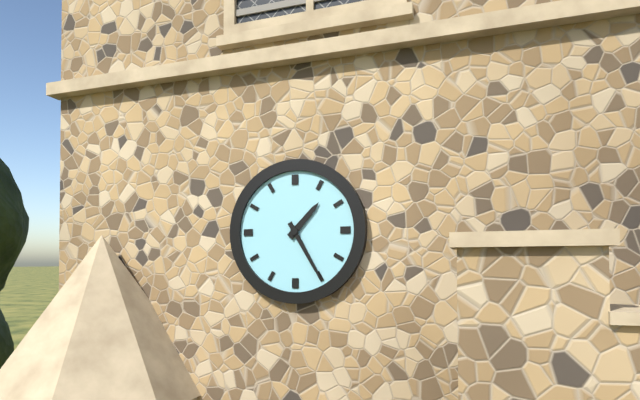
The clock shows 1.25
